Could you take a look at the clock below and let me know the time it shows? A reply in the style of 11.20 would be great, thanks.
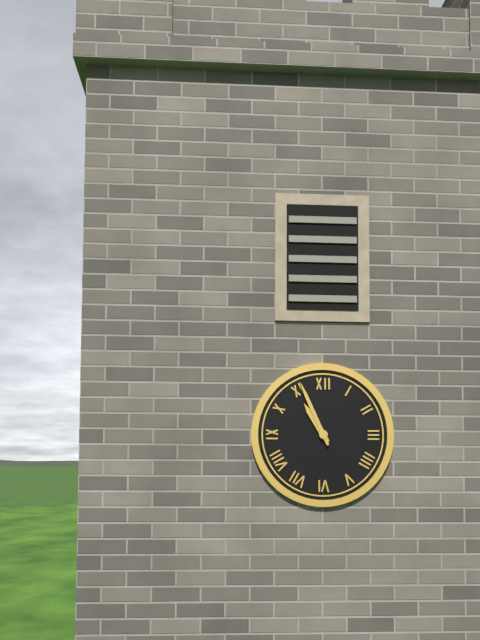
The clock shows 10.56
